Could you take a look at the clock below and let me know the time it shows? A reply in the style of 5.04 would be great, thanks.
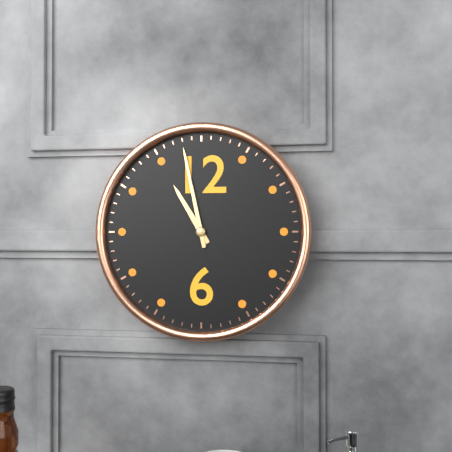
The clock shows 10.58
